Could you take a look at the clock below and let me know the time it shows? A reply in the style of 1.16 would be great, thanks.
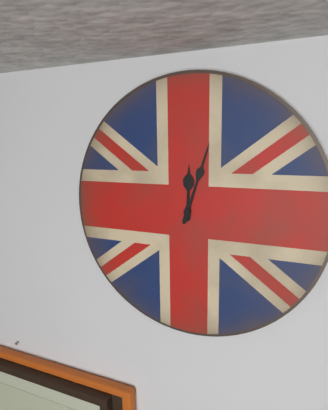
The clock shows 12.03
